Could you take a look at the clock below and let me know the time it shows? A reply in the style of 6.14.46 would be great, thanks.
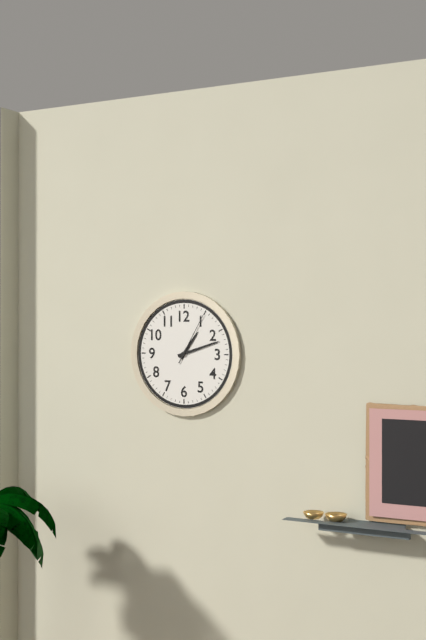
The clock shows 1.12.05
